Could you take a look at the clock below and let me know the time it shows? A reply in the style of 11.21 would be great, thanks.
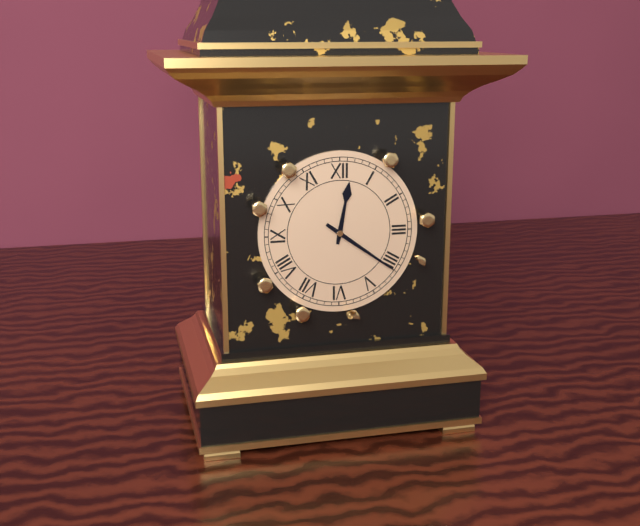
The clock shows 12.21
